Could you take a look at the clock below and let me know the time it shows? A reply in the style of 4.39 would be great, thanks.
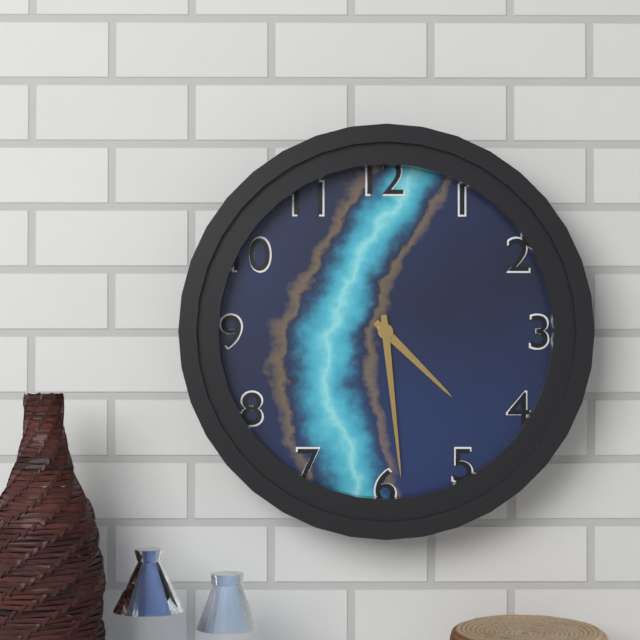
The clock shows 4.29
